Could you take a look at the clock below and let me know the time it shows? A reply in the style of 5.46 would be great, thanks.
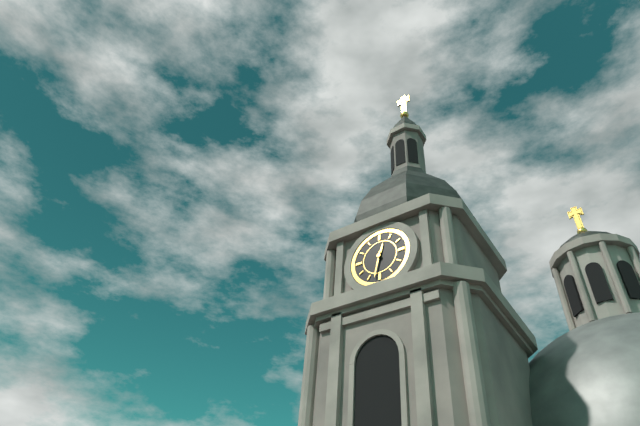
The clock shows 12.32
